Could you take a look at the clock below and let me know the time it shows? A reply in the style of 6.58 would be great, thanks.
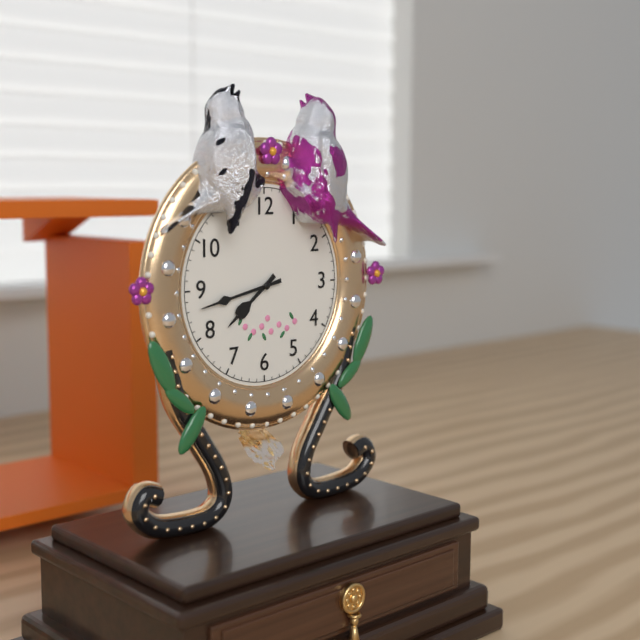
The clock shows 7.43
